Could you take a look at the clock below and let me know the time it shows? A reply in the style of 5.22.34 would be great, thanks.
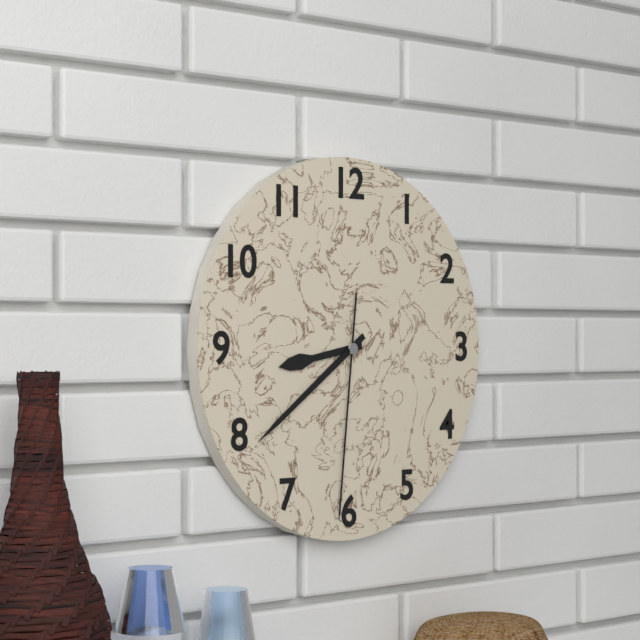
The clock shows 8.39.31
